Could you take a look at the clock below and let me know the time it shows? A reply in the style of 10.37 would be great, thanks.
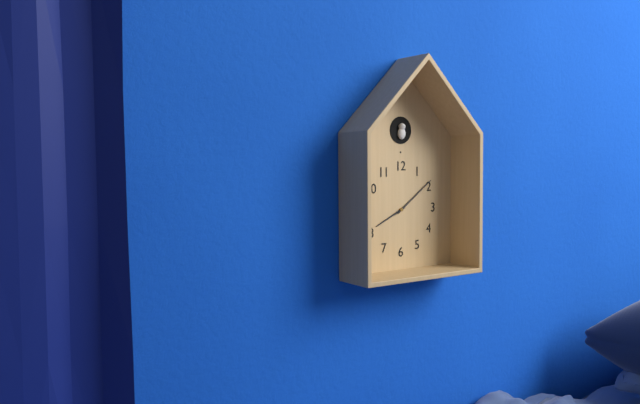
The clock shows 8.09
